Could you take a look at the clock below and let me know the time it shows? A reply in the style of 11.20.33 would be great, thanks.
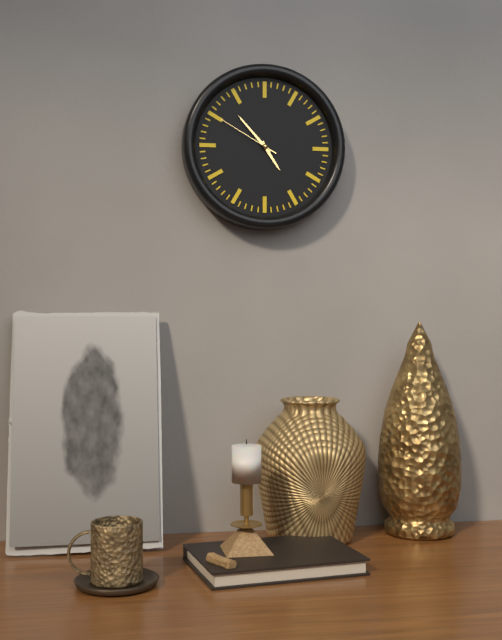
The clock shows 4.53.50
